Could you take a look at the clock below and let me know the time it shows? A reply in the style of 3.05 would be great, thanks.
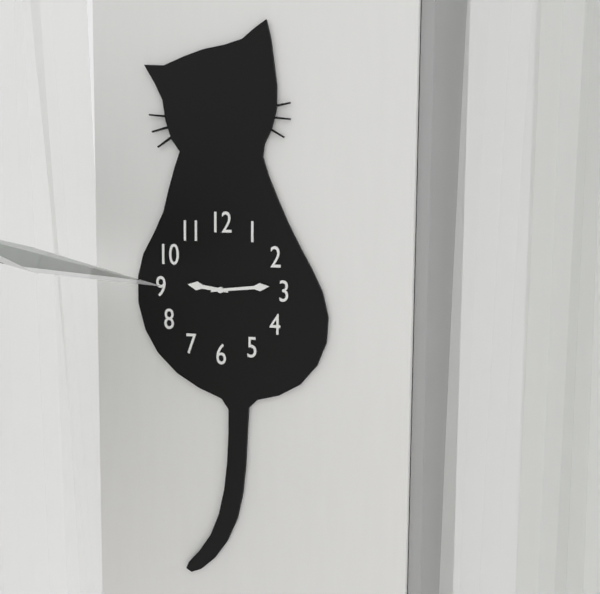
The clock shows 9.14
